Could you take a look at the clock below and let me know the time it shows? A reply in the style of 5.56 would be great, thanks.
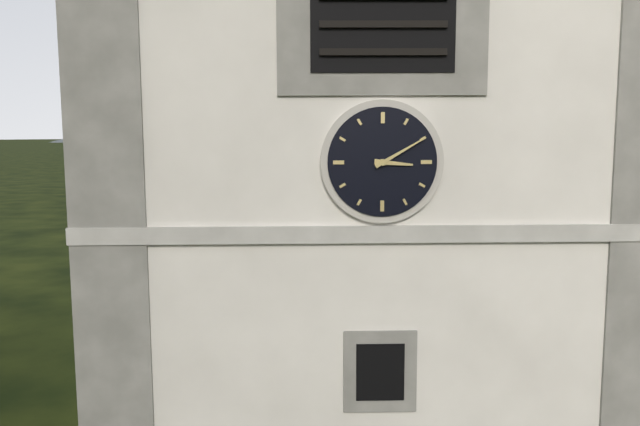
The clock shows 3.10
